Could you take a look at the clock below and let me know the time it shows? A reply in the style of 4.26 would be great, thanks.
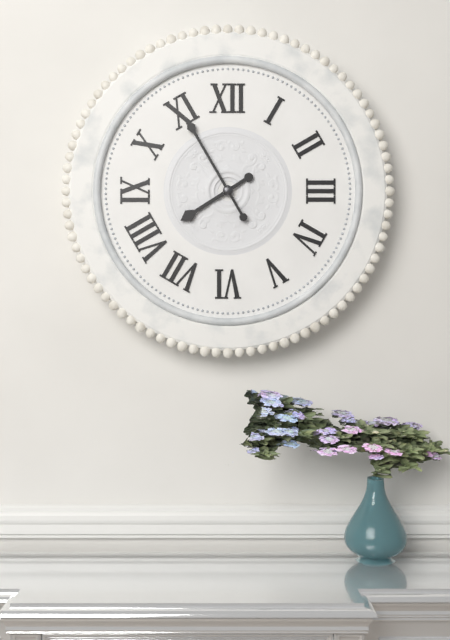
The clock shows 7.55
